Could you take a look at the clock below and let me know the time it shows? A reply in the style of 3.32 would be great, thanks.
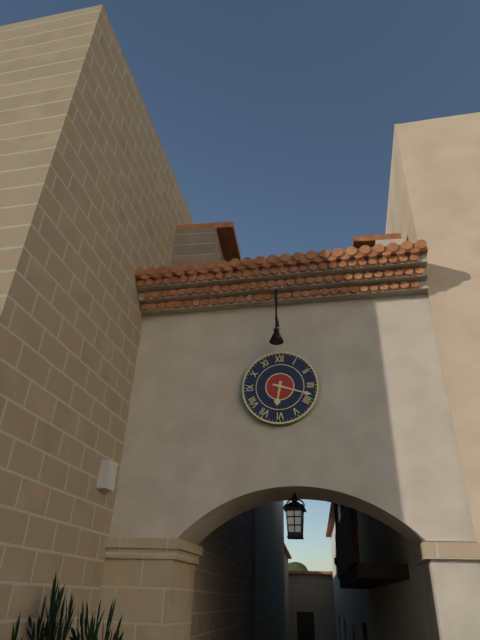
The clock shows 6.18
